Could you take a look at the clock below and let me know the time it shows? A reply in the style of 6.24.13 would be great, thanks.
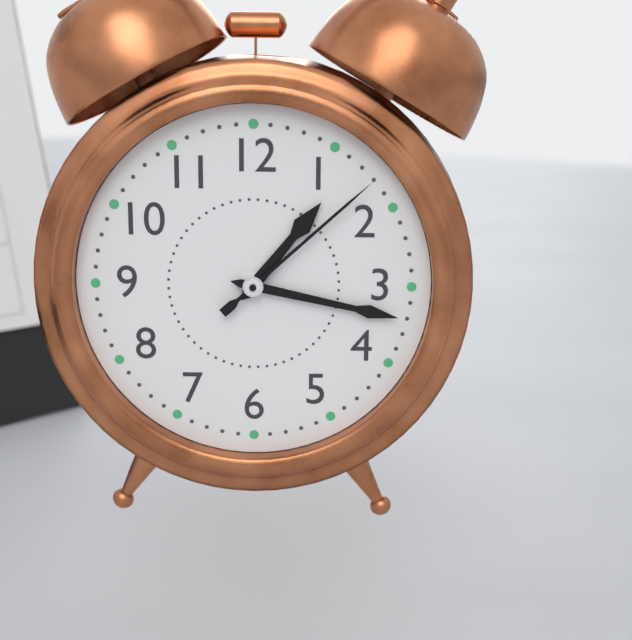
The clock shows 1.17.08
